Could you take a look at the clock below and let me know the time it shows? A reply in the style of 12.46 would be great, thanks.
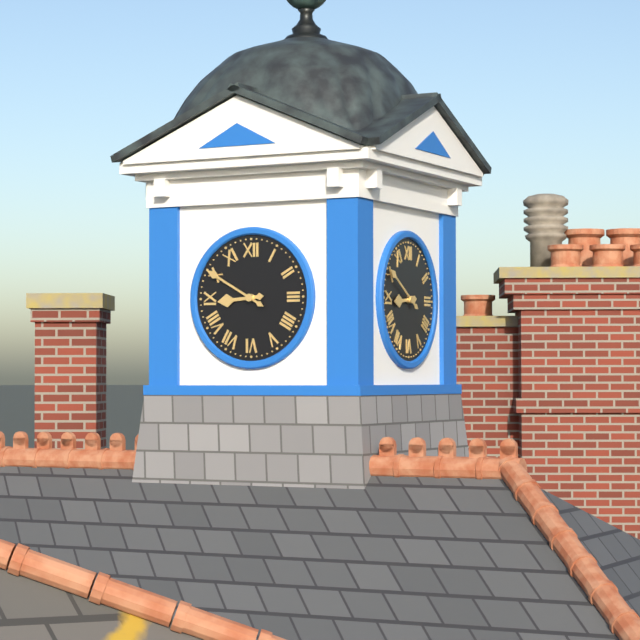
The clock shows 8.50
